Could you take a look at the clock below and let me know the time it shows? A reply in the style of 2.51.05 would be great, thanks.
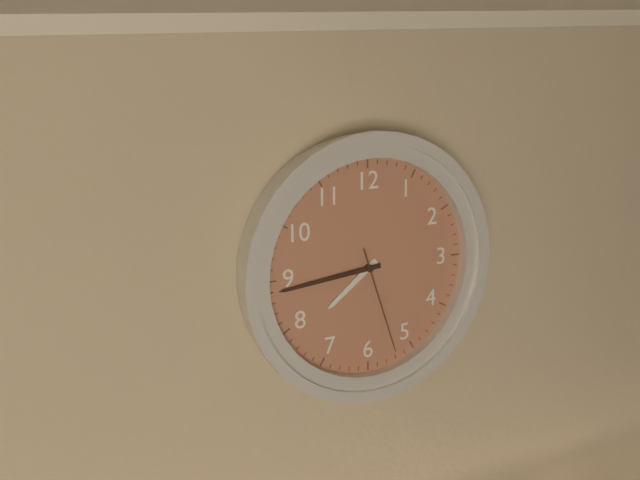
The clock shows 7.44.27
